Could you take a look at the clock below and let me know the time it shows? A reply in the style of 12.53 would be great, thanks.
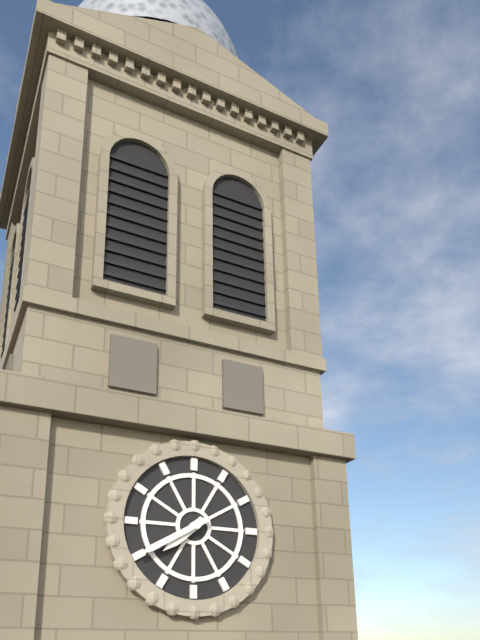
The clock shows 7.40
